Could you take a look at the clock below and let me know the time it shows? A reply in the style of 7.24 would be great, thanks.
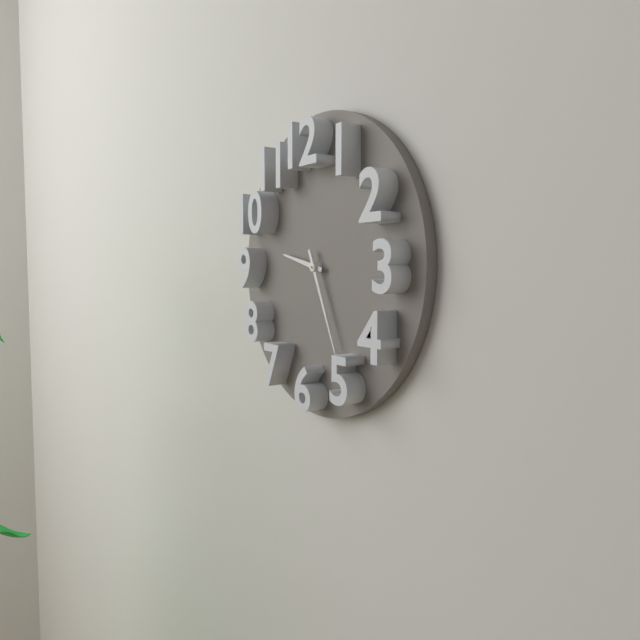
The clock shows 9.26
